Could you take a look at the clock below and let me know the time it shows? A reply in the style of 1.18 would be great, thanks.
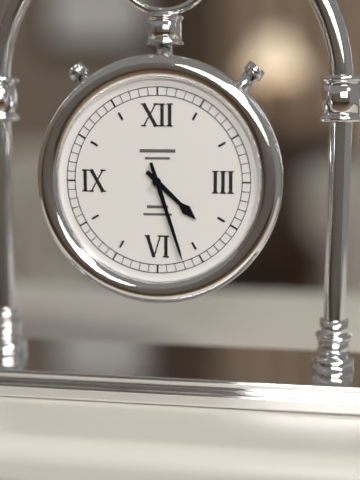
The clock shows 4.27
